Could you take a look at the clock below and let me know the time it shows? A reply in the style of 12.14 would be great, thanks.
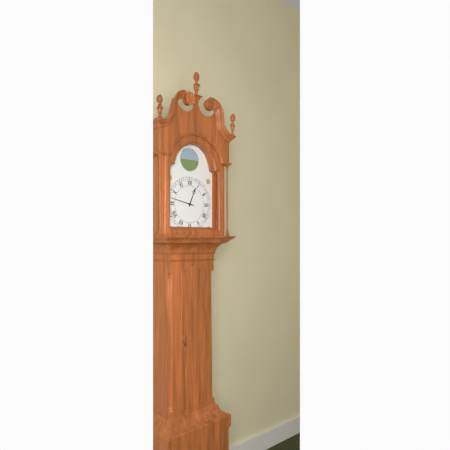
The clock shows 12.47
